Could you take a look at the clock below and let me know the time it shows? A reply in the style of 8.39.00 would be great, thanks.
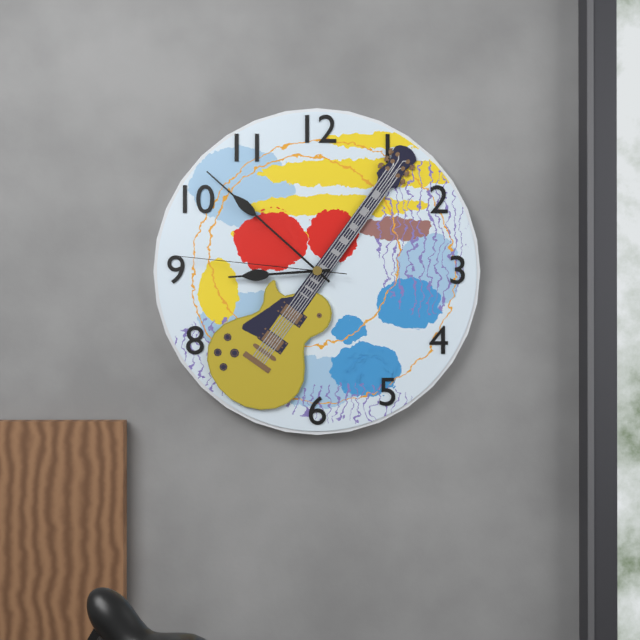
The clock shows 8.52.46
